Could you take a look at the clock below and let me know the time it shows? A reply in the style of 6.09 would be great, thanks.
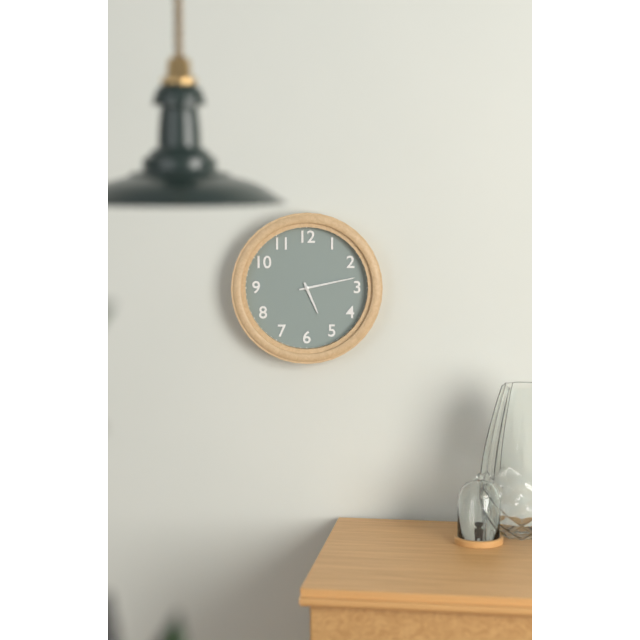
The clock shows 5.13
